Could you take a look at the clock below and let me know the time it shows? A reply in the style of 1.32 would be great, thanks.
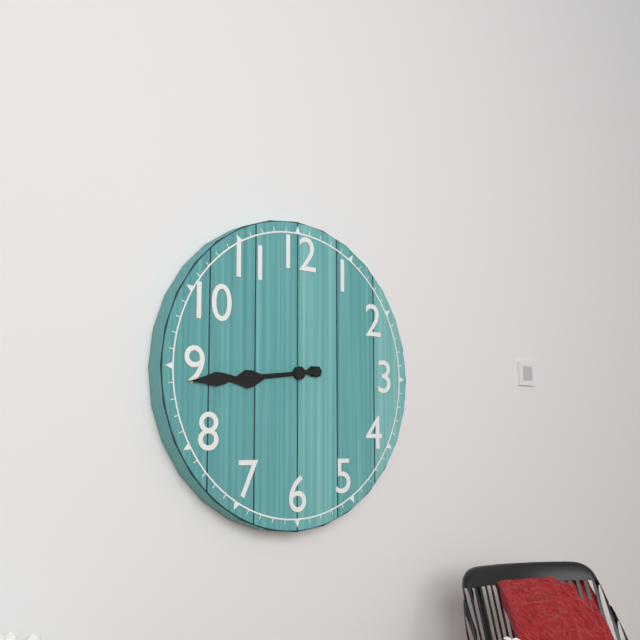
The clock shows 8.44
